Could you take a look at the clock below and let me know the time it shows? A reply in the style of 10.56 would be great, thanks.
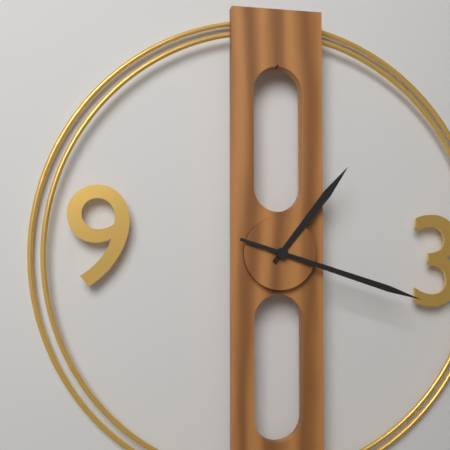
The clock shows 1.18
